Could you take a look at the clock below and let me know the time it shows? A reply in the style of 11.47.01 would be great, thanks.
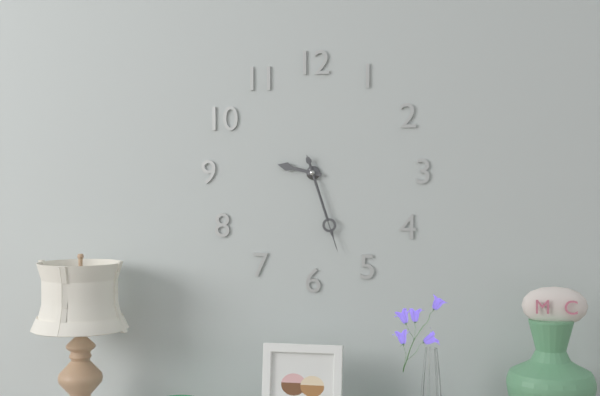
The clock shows 9.27.27
